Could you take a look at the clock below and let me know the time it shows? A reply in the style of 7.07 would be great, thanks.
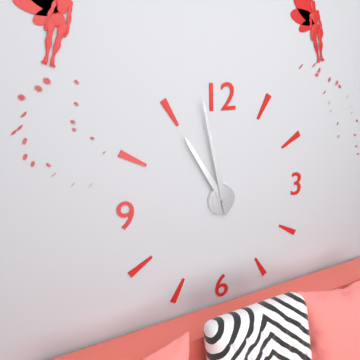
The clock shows 10.58
